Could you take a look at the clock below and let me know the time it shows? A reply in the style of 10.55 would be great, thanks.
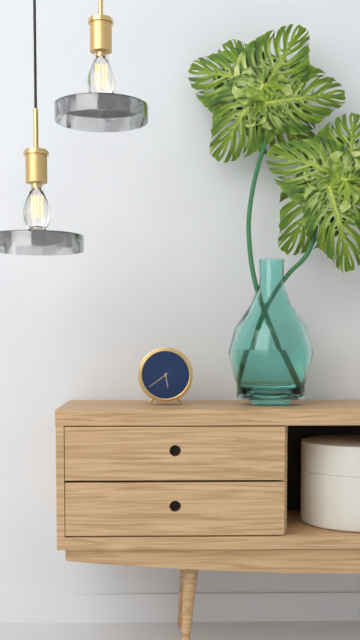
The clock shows 5.39
